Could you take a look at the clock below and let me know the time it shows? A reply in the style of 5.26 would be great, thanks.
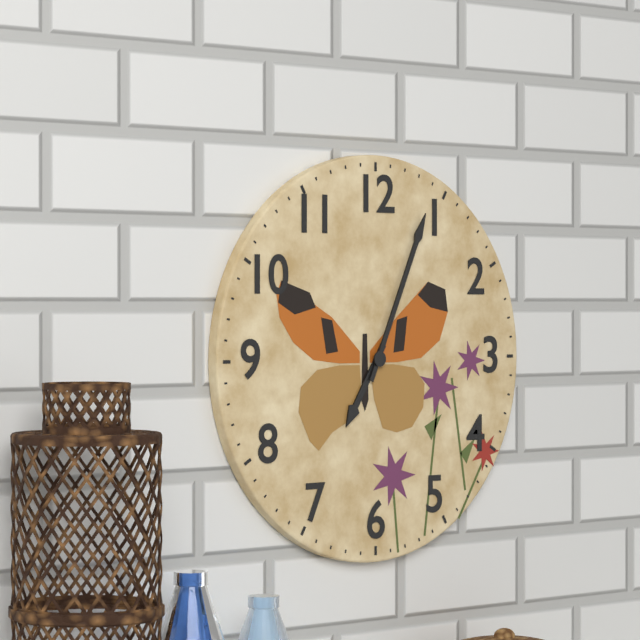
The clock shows 7.04
